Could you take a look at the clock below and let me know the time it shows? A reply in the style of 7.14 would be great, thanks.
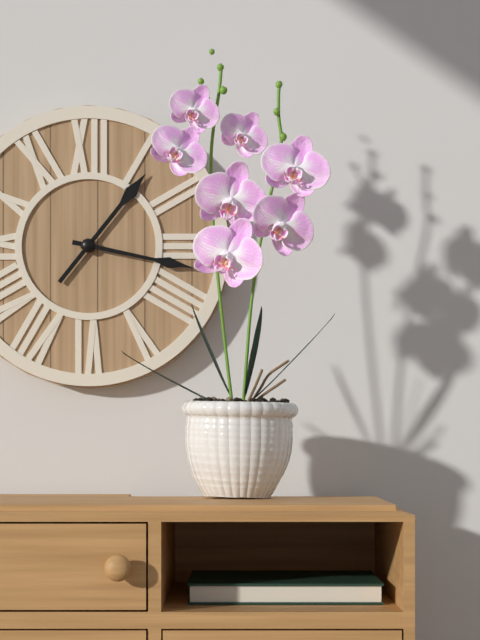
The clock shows 1.17
